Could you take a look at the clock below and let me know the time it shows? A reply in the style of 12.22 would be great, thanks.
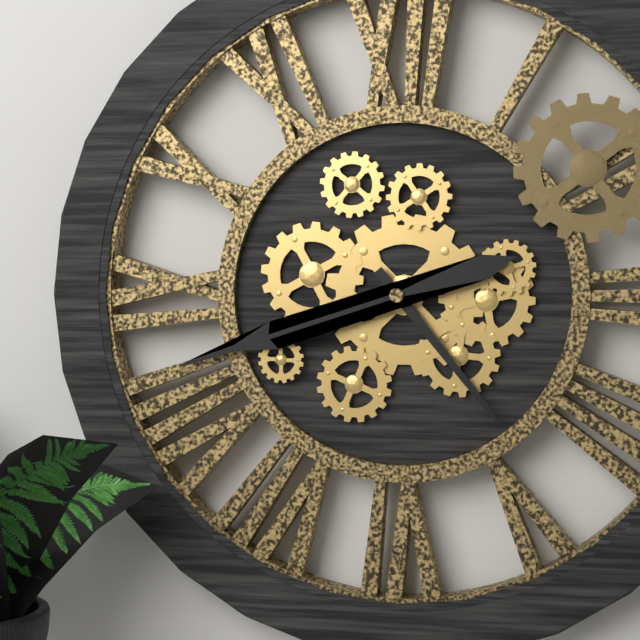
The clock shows 4.42
